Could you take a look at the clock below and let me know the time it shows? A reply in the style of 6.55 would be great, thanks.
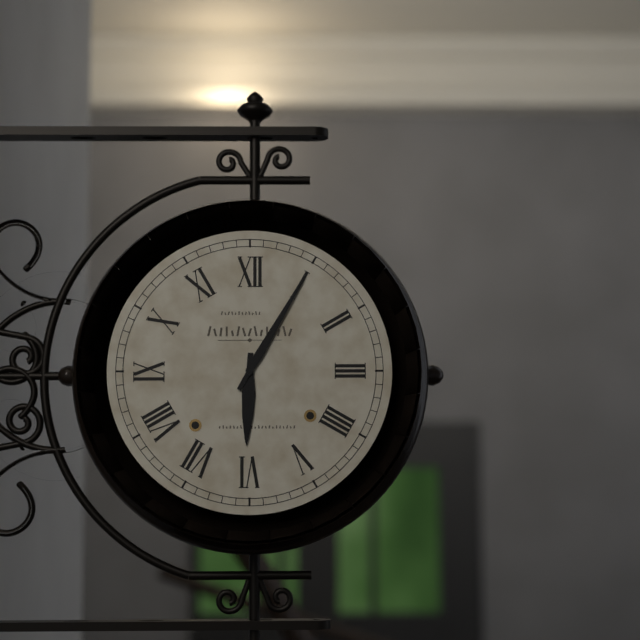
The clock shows 6.05
